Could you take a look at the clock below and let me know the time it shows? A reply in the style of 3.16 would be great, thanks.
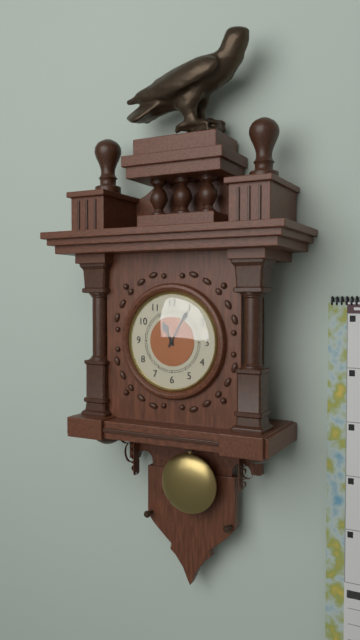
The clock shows 11.05
